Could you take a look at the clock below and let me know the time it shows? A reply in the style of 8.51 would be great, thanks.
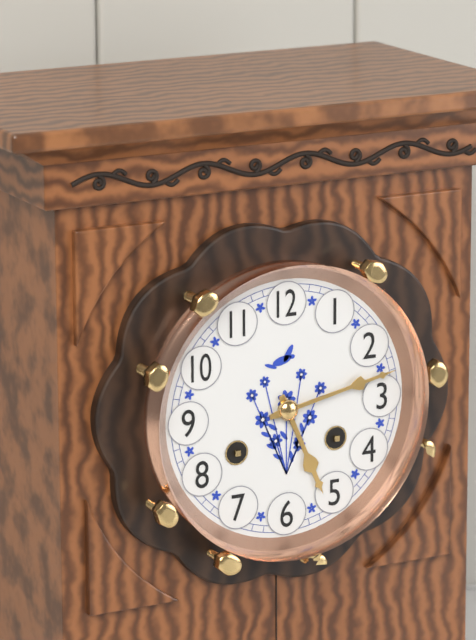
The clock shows 5.13
